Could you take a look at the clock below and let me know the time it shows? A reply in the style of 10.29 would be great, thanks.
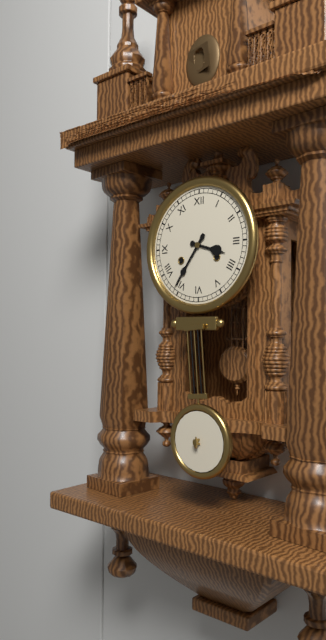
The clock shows 3.36
